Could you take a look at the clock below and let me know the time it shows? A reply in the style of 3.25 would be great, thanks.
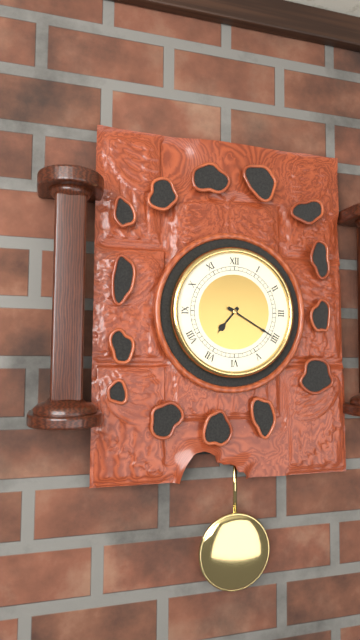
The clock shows 7.20
